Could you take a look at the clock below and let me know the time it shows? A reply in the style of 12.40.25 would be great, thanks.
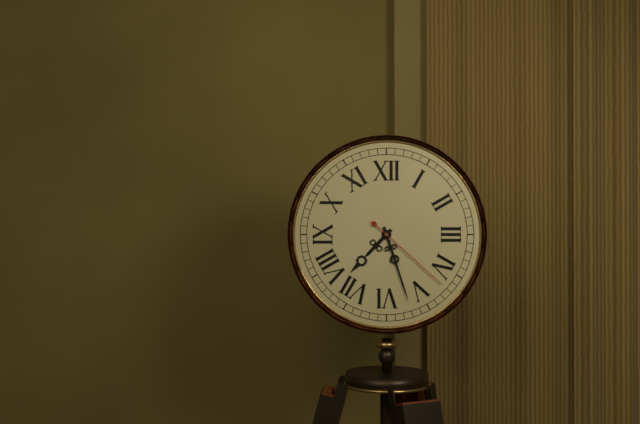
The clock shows 7.27.22
